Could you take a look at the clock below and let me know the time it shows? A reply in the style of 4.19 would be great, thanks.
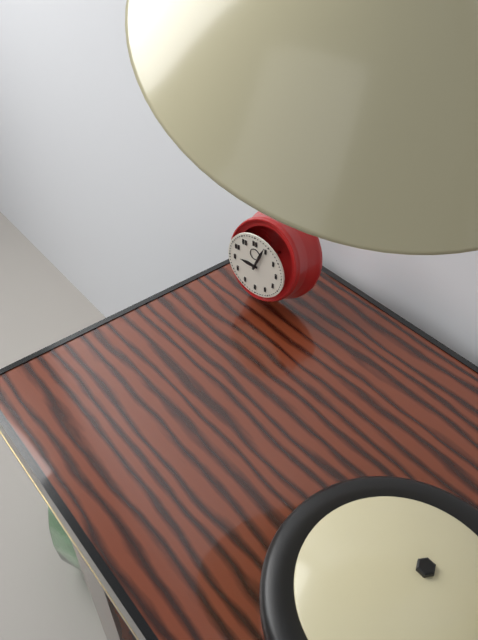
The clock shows 9.04
